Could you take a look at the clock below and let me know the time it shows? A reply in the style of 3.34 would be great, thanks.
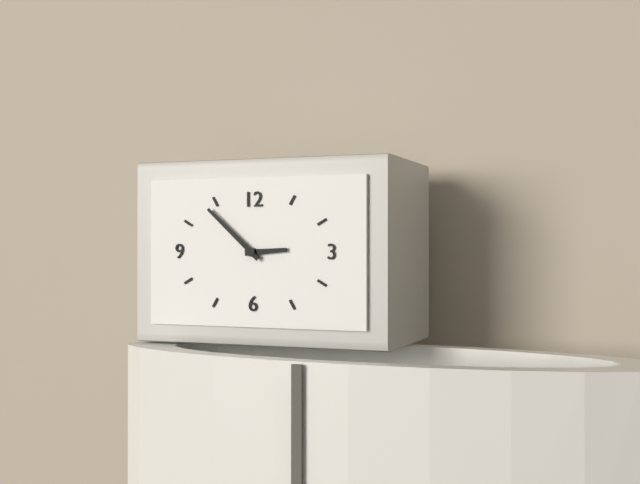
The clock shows 2.52
